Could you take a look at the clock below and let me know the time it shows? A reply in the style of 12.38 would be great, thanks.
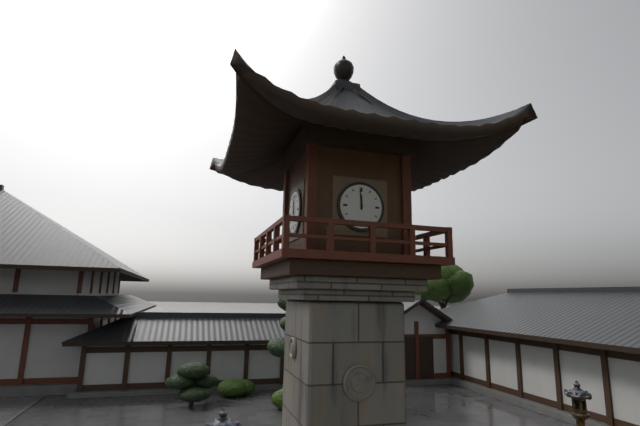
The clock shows 11.59
